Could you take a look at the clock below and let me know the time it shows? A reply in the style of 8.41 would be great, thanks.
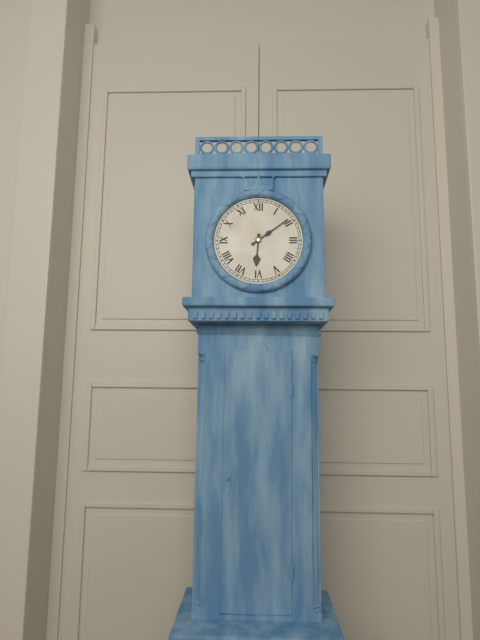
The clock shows 6.09
